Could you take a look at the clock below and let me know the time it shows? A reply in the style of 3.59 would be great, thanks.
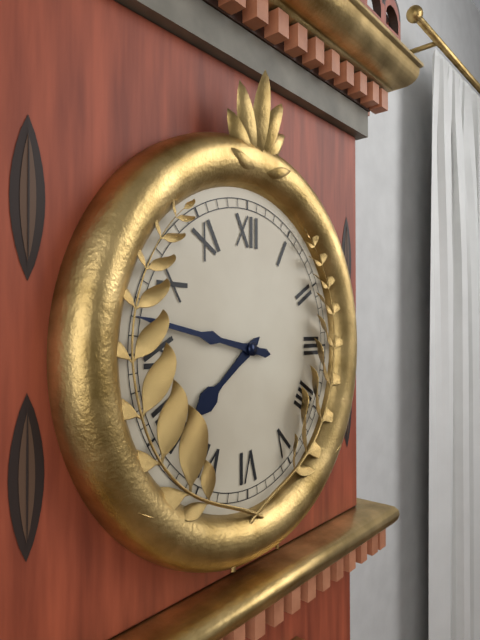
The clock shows 7.47
